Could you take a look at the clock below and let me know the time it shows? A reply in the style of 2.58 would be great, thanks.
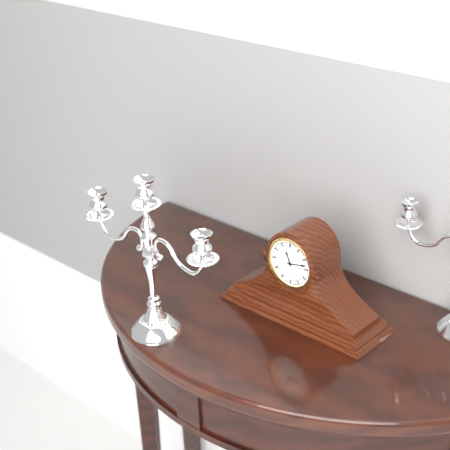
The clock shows 11.13
